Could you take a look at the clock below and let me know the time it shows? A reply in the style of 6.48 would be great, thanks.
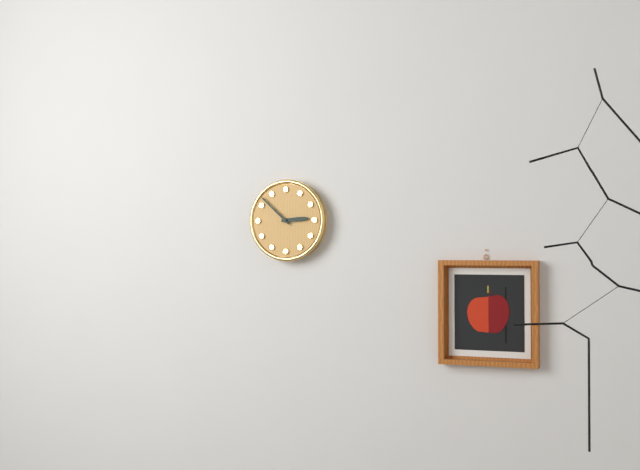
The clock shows 2.52
